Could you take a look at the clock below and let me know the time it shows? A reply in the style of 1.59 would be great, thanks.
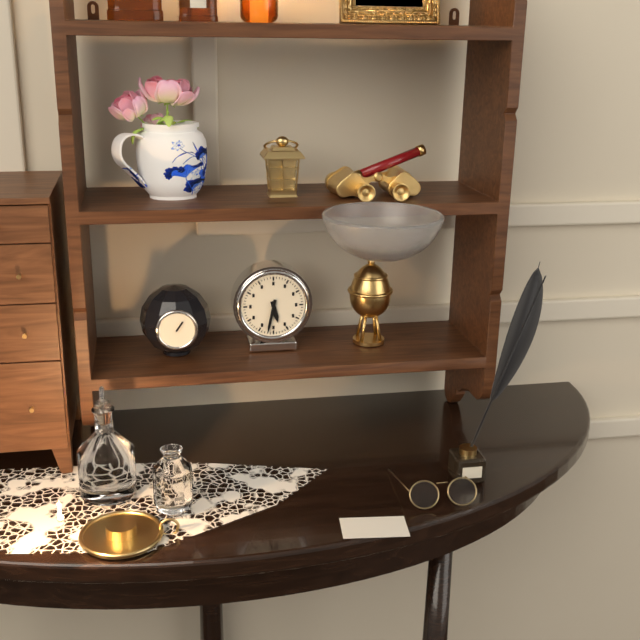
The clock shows 5.32
